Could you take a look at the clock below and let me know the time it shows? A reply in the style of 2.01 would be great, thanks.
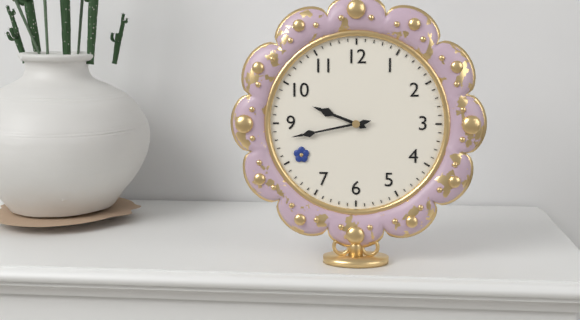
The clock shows 9.43
